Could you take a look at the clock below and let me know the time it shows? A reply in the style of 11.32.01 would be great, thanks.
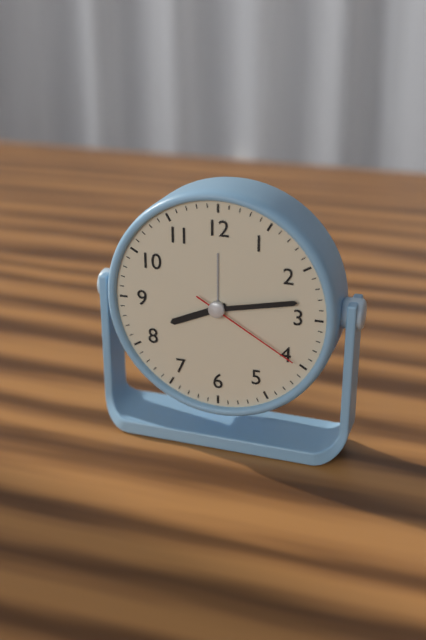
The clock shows 8.13.20
